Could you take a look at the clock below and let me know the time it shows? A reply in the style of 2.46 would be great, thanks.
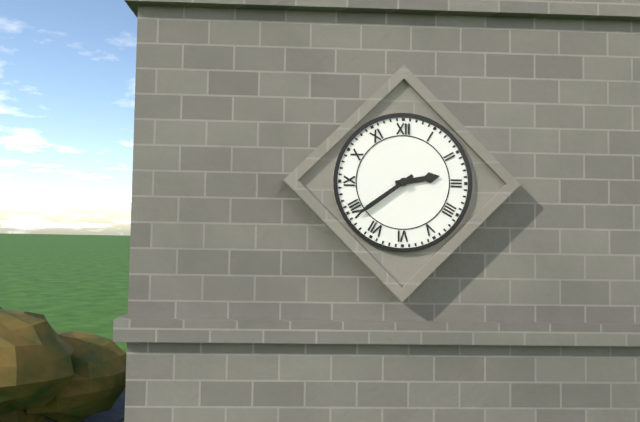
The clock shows 2.39
